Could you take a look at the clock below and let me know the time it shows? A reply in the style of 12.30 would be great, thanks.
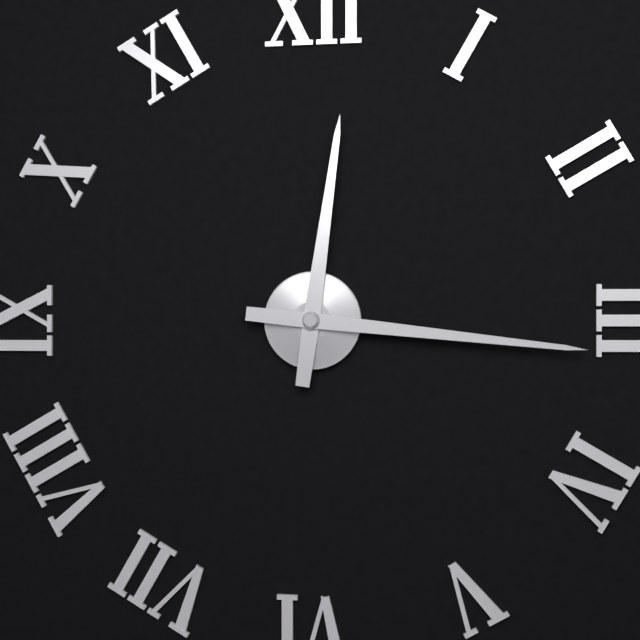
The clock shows 12.16
